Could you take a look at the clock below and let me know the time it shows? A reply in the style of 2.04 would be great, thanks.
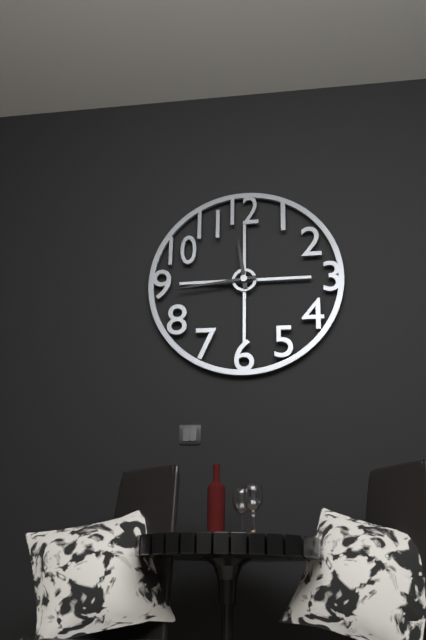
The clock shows 11.44
